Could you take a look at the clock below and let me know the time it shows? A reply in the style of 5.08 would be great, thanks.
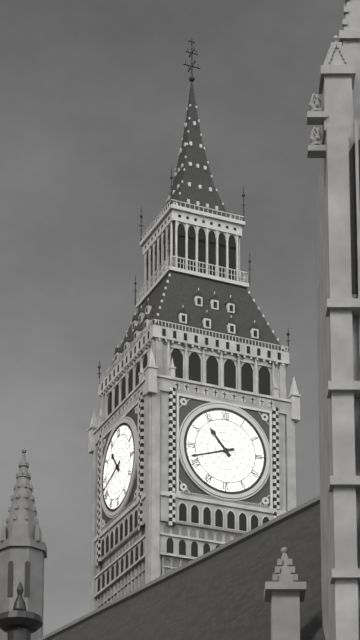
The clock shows 10.42
